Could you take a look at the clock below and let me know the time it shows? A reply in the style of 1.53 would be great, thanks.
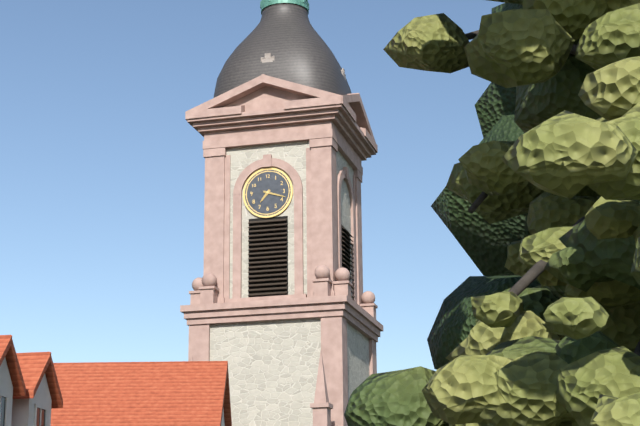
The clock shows 7.18
